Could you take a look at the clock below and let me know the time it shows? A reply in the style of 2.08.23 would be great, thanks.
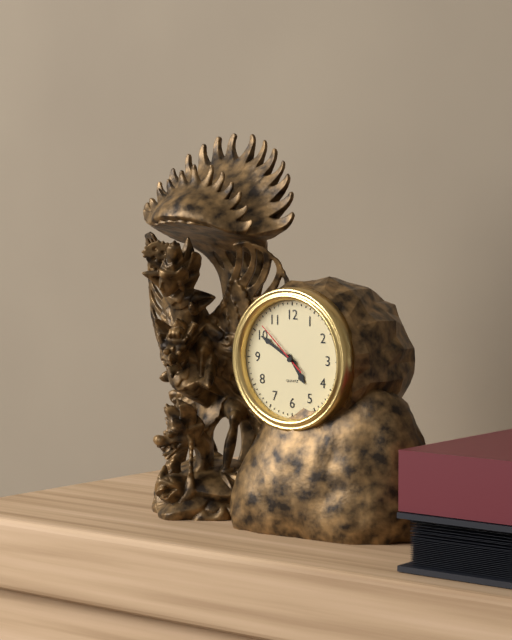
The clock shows 4.50.52
